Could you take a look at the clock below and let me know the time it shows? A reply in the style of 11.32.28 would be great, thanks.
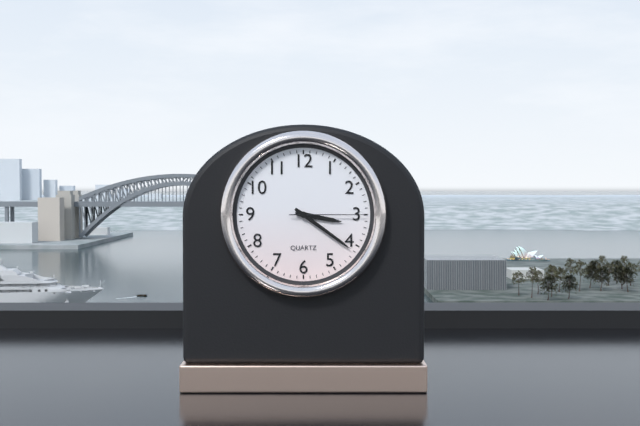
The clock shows 3.21.15
